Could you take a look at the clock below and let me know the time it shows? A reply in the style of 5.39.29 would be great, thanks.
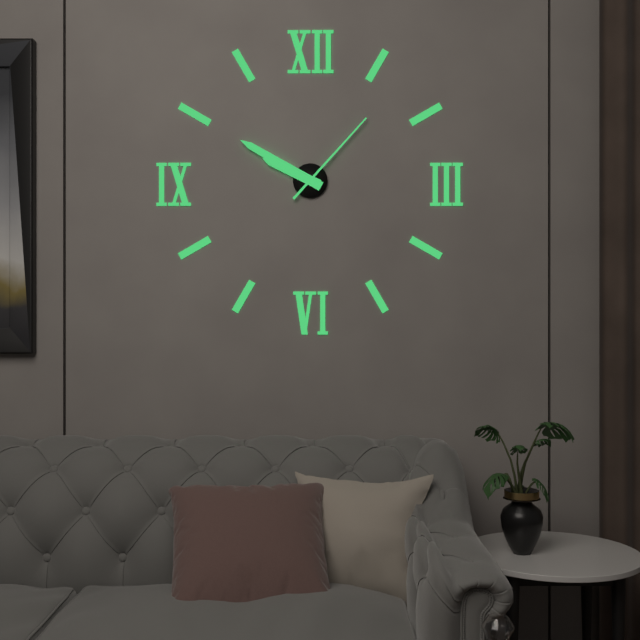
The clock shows 9.50.07
